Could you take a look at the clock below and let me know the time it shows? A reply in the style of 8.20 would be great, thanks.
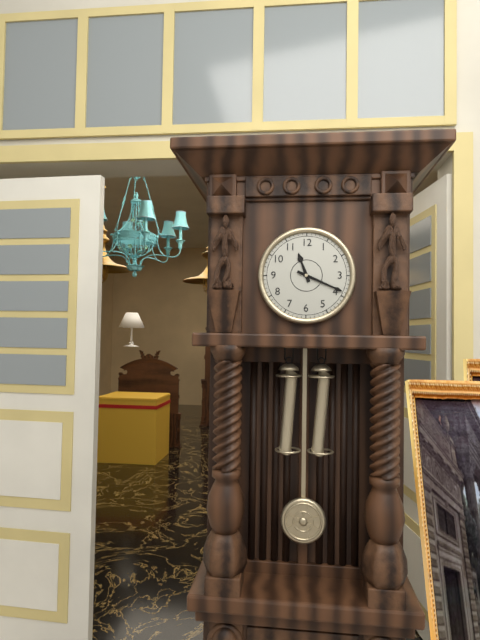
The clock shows 11.19
